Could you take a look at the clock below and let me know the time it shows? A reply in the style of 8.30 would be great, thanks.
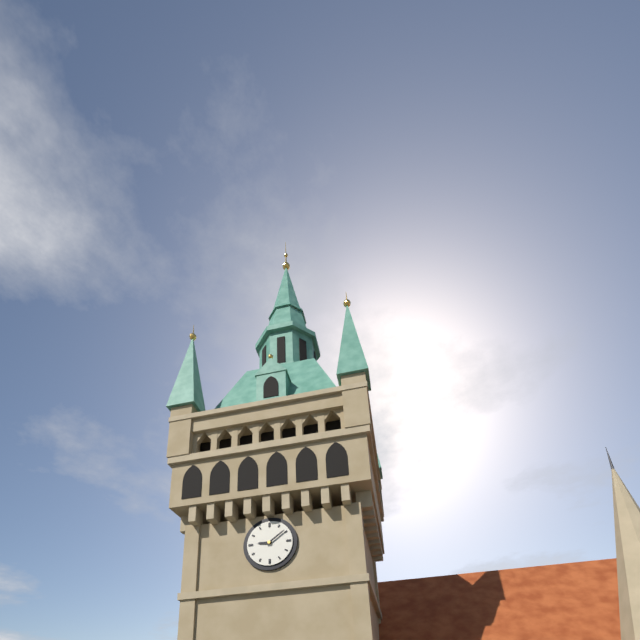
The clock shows 9.09
